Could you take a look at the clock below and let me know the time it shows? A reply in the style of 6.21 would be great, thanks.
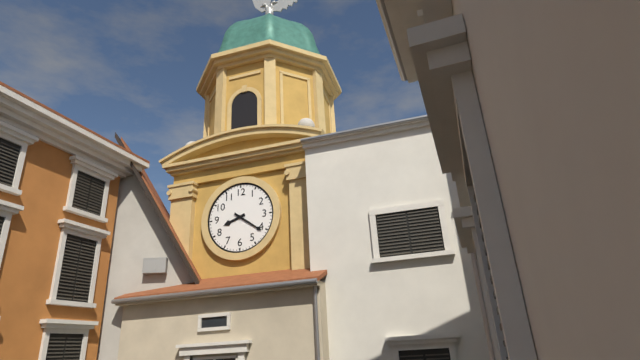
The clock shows 8.21
